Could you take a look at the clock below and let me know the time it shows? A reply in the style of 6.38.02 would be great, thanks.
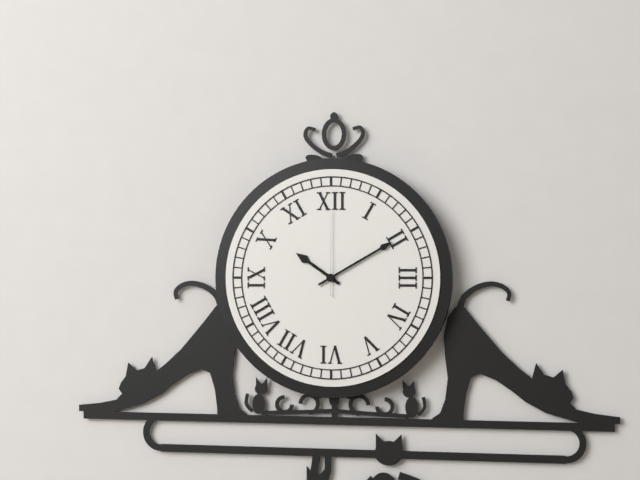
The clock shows 10.10.00
